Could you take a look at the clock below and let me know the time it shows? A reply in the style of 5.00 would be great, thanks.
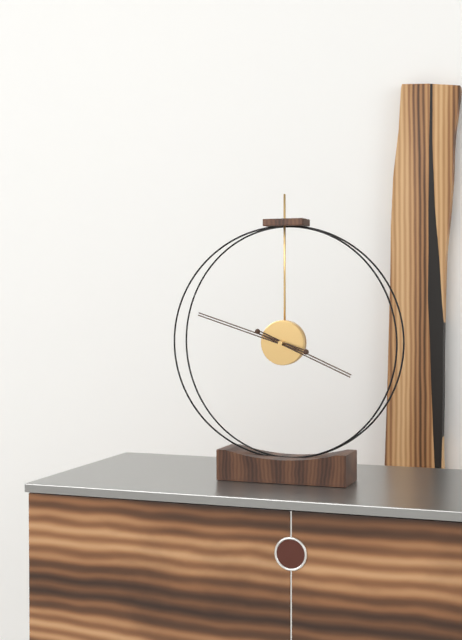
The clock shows 3.48
